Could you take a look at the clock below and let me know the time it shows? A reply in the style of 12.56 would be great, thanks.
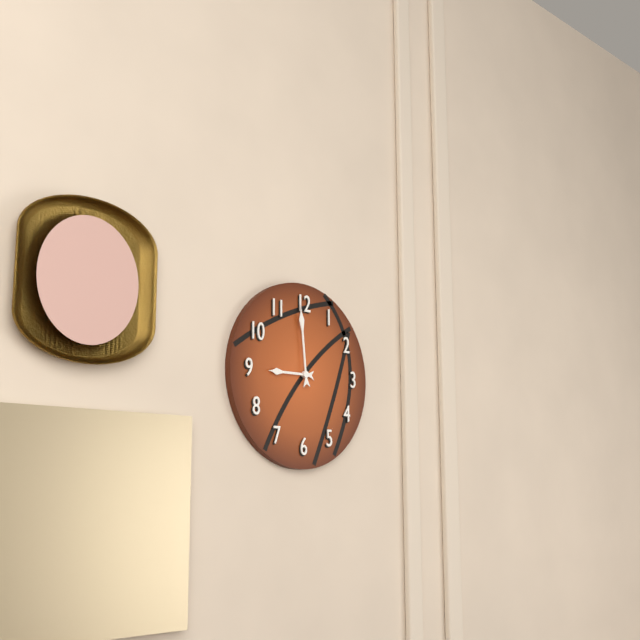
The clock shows 8.59
